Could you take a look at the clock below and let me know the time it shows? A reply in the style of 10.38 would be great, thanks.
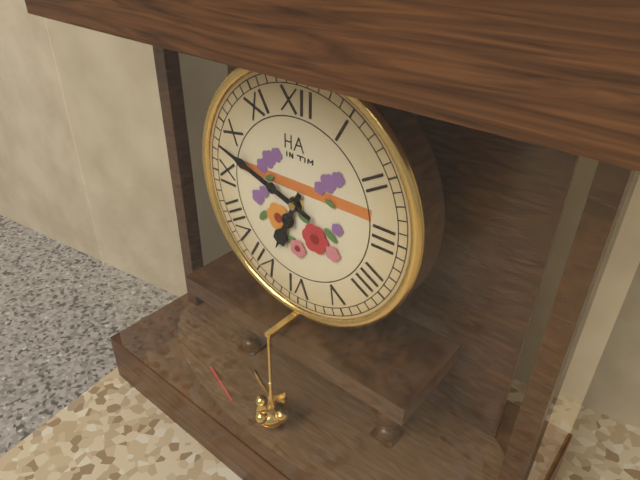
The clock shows 6.48
